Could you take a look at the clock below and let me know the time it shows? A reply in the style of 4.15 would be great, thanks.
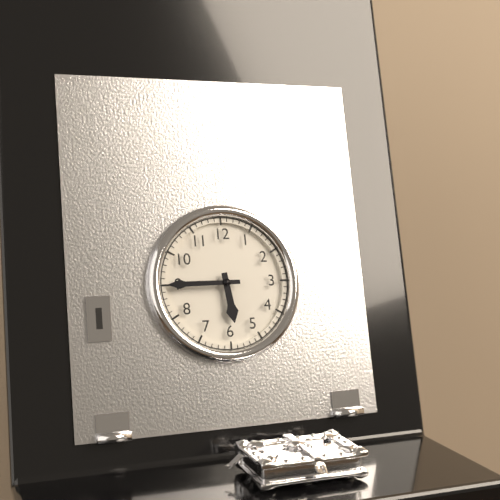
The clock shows 5.45
